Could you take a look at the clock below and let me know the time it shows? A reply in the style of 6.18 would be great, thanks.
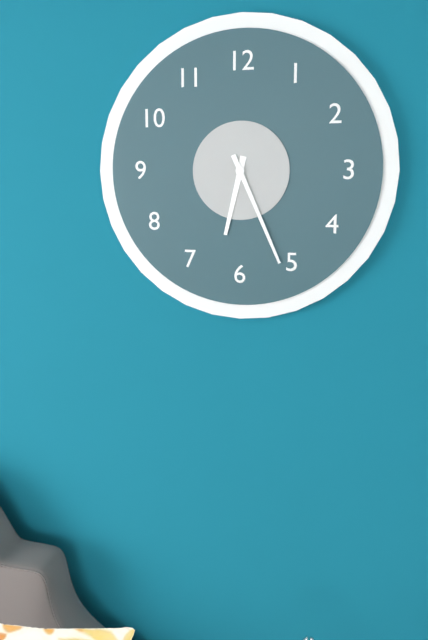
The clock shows 6.26
